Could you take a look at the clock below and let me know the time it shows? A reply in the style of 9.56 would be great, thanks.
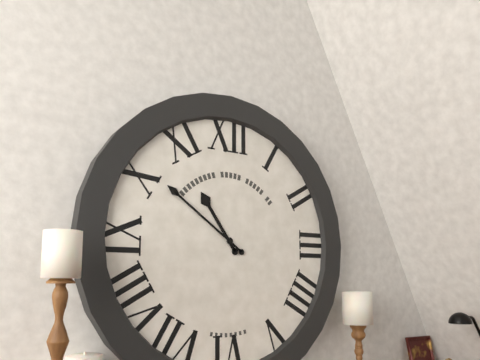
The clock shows 10.51
